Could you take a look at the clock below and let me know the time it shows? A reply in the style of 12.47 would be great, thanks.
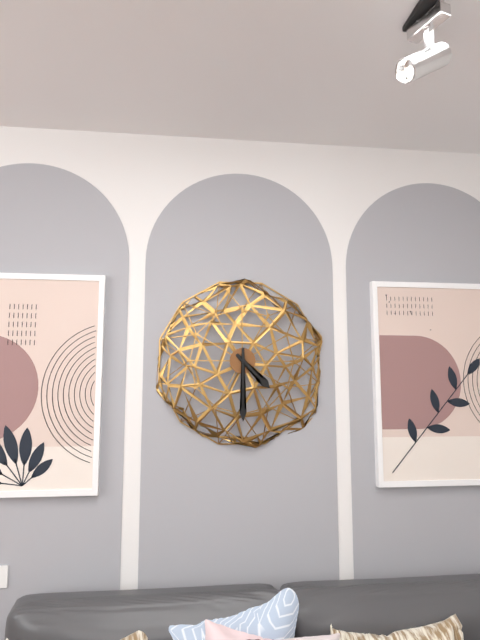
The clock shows 4.30
